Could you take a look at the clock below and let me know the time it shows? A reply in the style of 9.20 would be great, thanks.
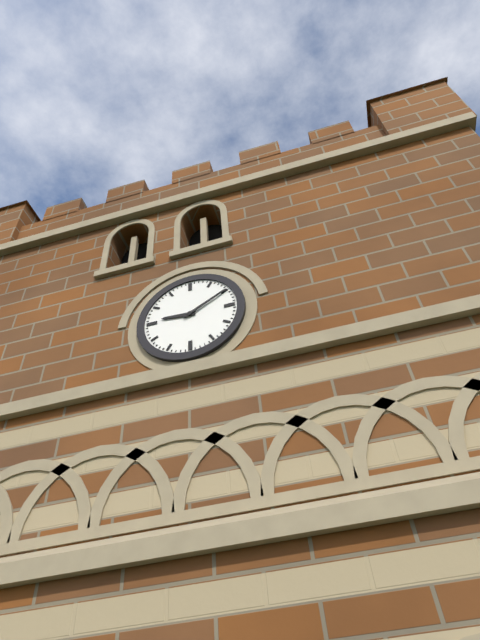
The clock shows 9.10
